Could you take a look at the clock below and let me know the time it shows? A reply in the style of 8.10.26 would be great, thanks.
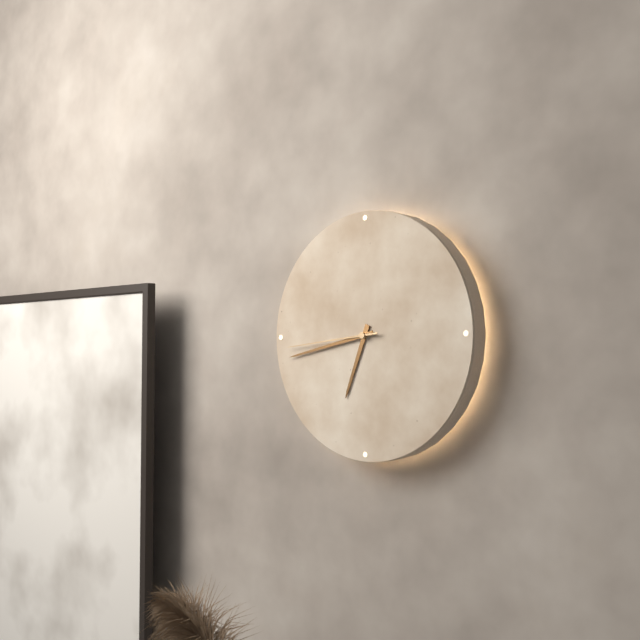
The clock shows 6.43.44
